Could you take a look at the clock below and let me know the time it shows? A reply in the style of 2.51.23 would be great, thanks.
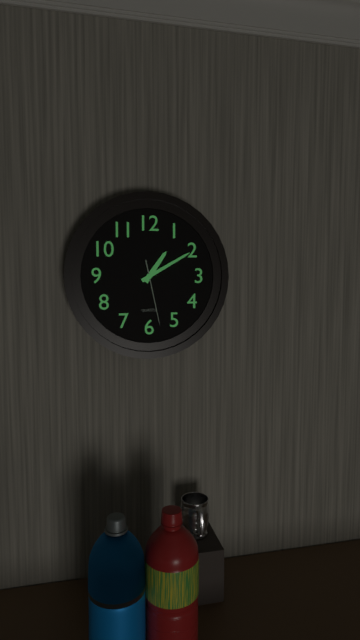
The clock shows 1.10.28
